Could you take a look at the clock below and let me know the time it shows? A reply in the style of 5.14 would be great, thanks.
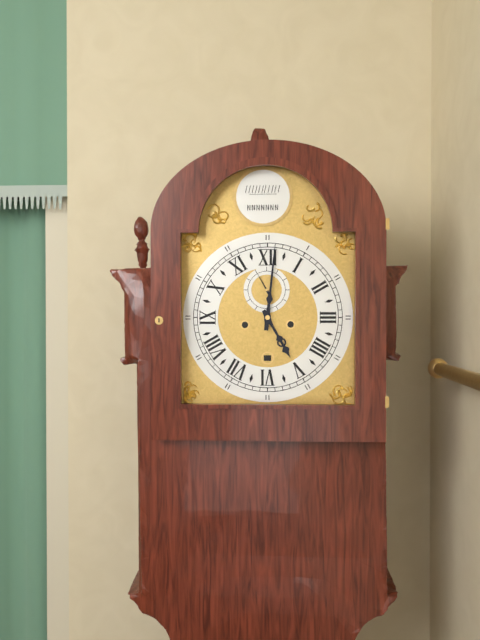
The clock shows 5.01
